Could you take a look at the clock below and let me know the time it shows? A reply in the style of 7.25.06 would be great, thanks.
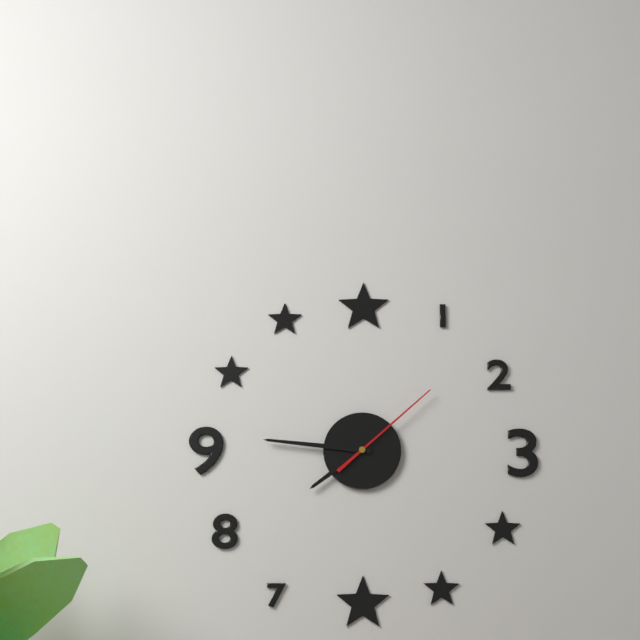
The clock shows 7.46.08
